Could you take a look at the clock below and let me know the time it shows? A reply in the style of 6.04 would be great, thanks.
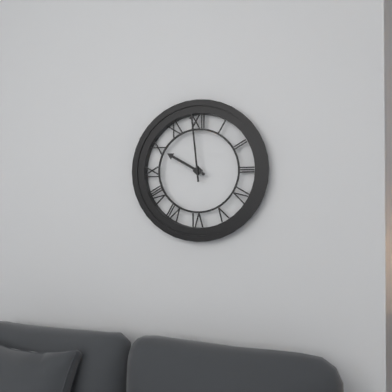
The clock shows 9.59
